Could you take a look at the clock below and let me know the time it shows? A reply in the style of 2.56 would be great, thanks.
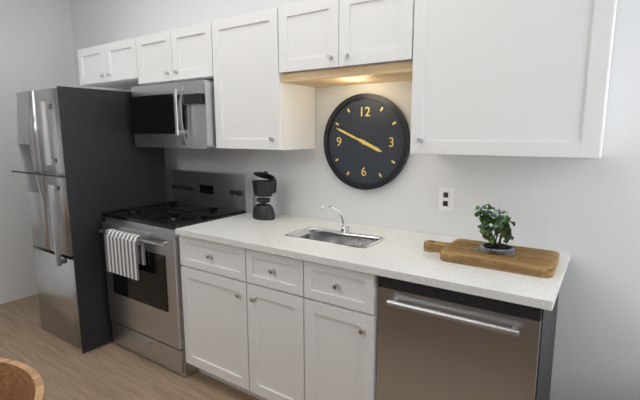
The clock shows 3.49
